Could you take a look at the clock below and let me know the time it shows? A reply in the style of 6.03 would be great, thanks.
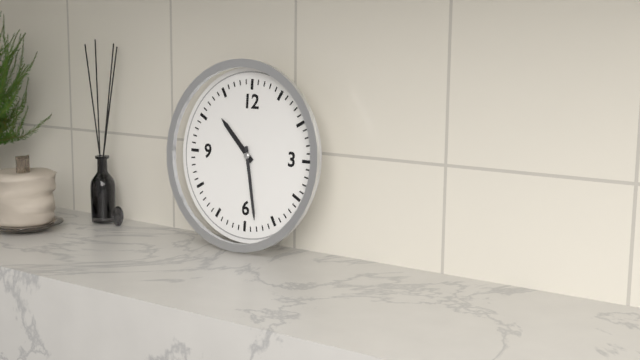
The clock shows 10.28
